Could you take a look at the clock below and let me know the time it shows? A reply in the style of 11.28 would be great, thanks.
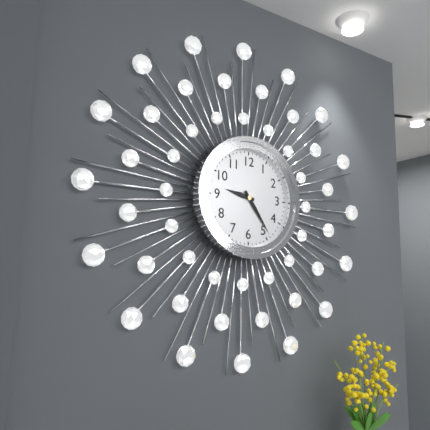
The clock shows 9.24
